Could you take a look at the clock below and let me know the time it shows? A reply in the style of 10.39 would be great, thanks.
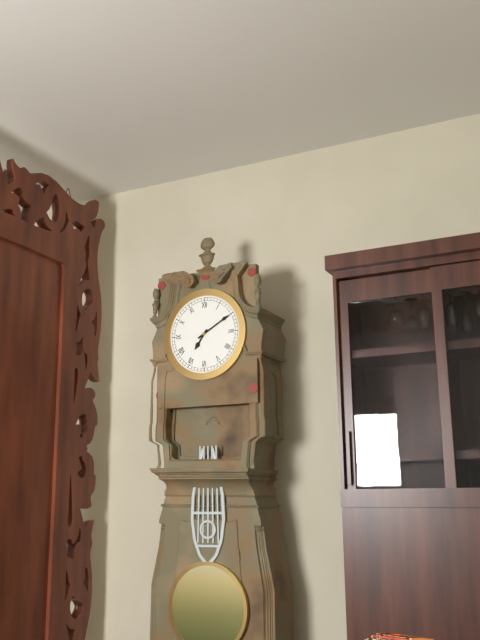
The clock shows 7.10
